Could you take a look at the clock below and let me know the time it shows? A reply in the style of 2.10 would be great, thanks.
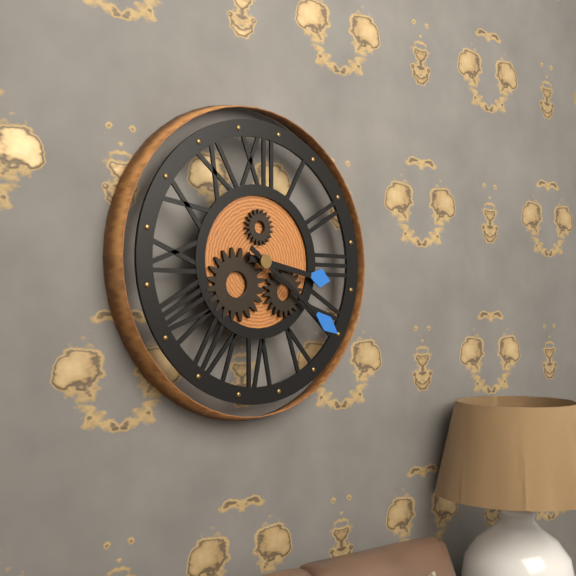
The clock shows 3.21
